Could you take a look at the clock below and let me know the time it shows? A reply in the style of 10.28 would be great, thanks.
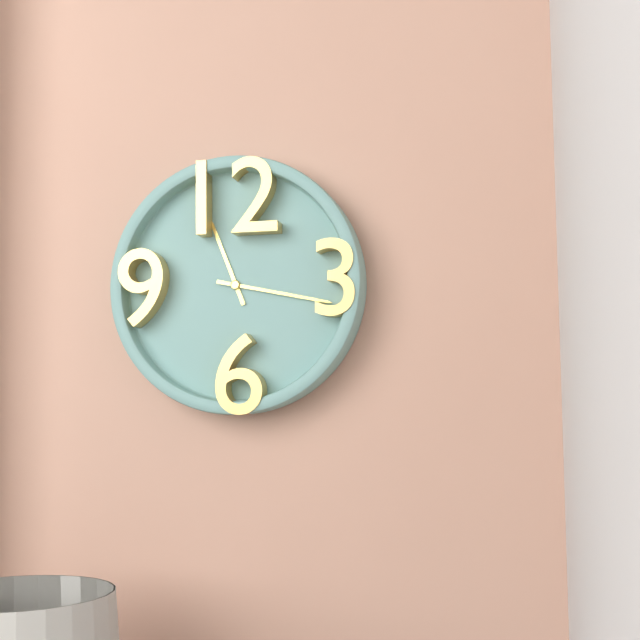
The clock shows 11.17
